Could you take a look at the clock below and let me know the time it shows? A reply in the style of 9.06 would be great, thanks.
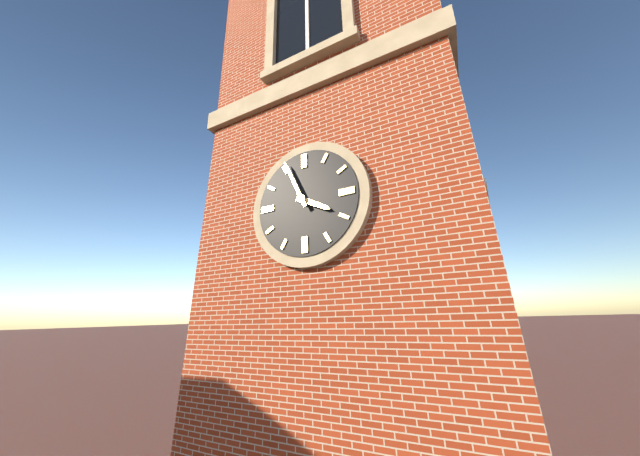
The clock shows 3.56
